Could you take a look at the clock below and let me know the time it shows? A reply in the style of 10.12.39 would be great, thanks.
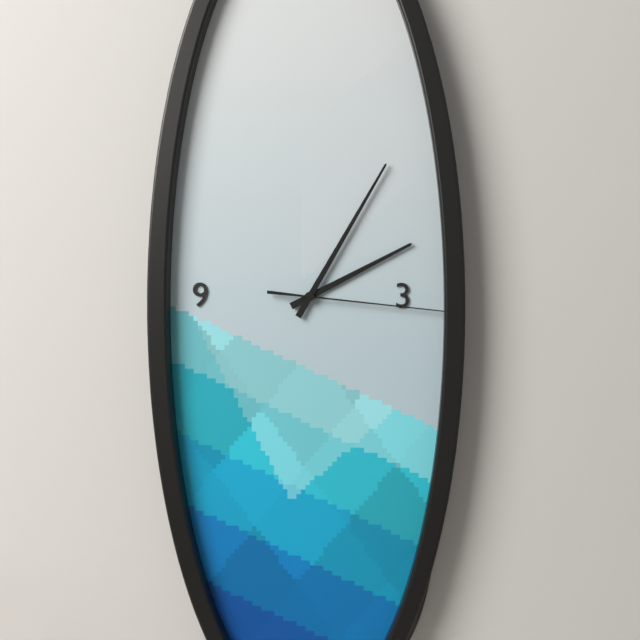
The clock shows 2.05.16
